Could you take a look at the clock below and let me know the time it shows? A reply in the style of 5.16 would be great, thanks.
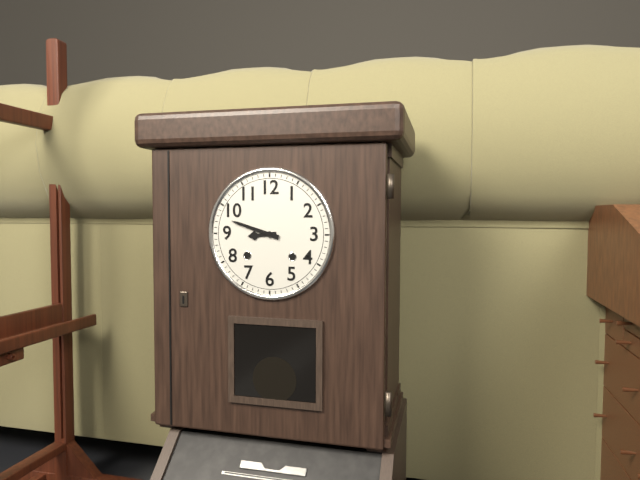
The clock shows 8.48
